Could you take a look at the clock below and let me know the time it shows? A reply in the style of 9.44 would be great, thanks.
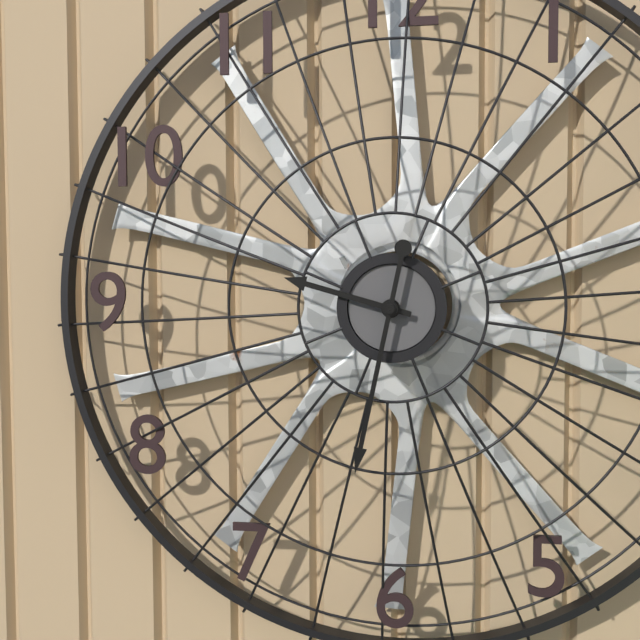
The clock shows 9.32
